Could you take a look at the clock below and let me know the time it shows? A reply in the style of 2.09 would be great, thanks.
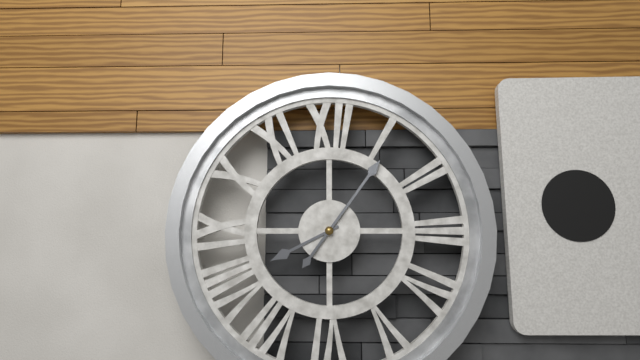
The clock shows 8.06
